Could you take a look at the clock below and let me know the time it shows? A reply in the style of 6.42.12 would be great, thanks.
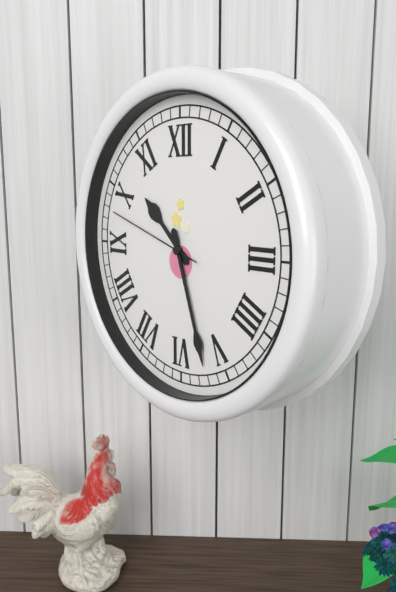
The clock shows 10.27.48
